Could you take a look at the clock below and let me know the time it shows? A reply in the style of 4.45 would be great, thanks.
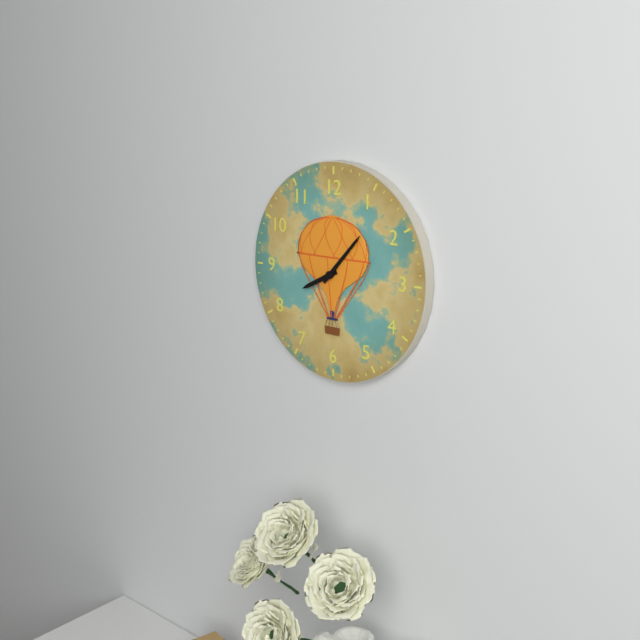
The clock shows 8.07
